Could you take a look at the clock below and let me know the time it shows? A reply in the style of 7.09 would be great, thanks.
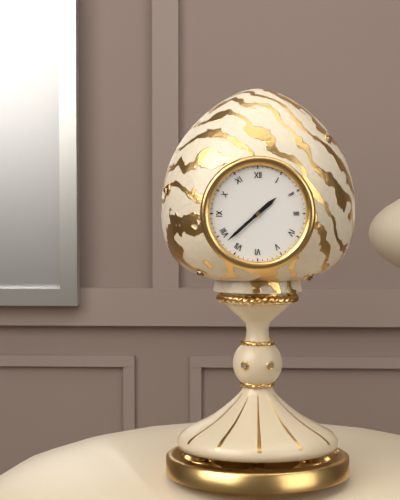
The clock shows 1.38
